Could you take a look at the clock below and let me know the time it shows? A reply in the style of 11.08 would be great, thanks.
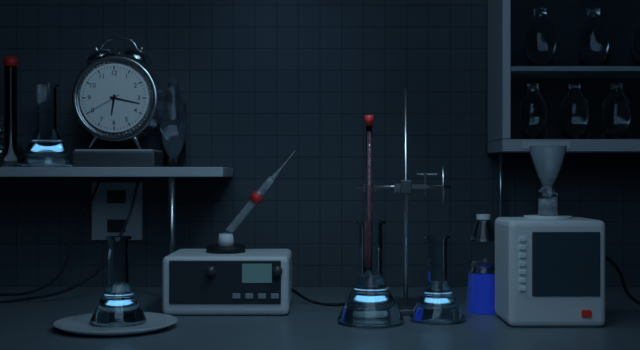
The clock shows 6.17
